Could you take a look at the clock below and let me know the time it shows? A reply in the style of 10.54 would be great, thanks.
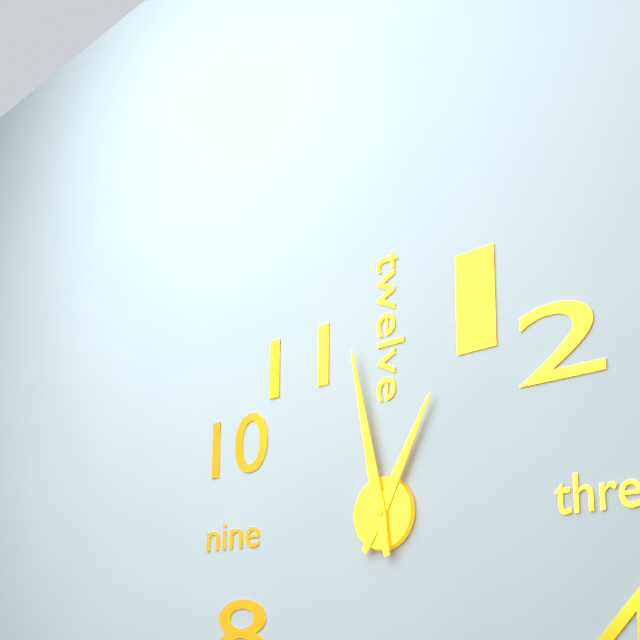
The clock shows 12.58
